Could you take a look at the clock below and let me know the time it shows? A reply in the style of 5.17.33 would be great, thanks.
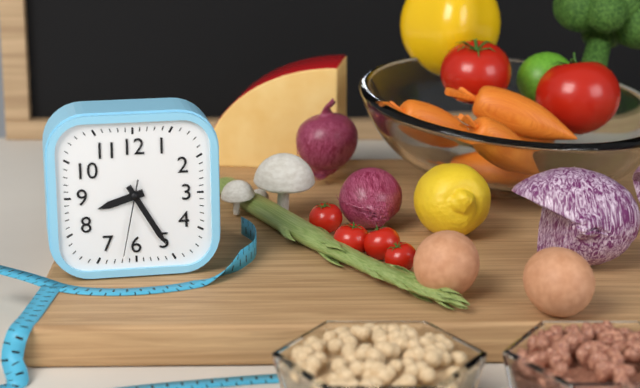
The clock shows 8.25.32
